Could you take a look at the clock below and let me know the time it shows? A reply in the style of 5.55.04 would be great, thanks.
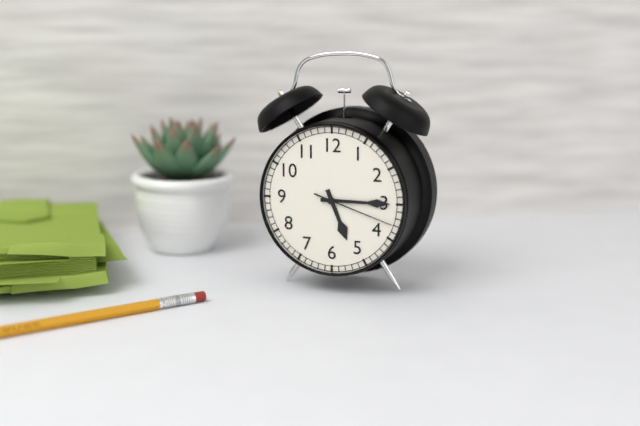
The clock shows 5.15.18
